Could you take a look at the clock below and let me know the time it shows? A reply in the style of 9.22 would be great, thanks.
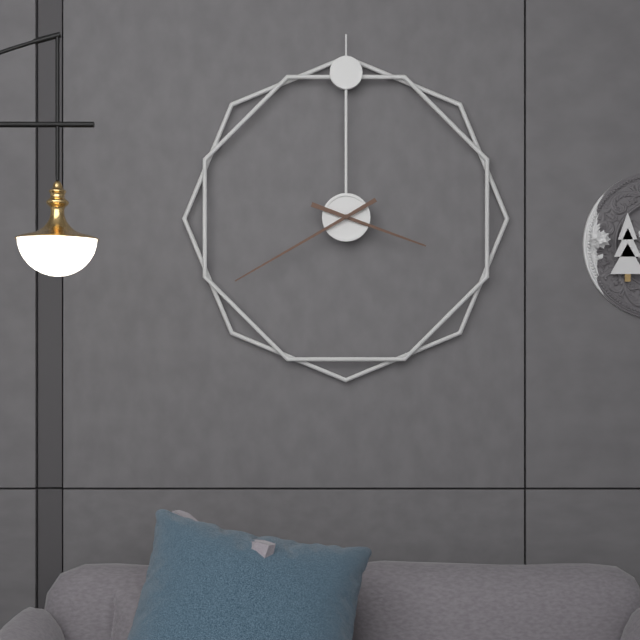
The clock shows 3.40
